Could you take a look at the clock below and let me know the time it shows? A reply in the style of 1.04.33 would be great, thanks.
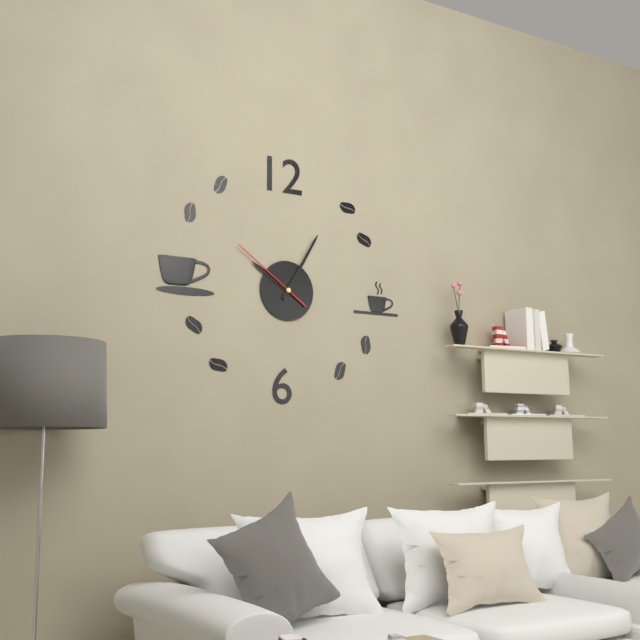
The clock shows 10.05.51
